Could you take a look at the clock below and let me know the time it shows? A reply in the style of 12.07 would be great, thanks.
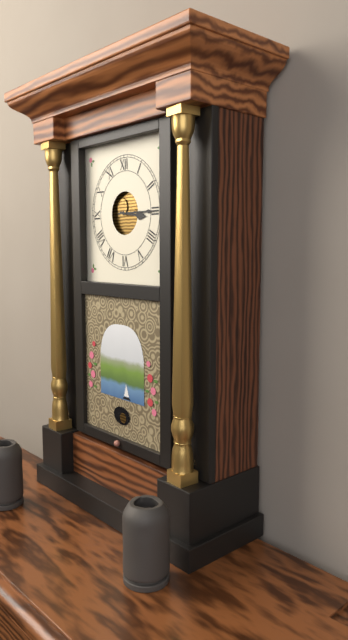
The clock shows 3.15
